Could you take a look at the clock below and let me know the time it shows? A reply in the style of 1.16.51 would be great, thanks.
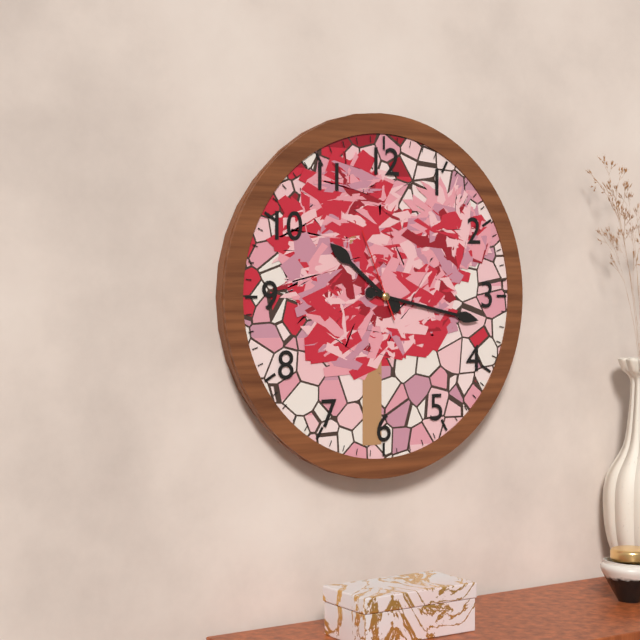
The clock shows 10.17.56
